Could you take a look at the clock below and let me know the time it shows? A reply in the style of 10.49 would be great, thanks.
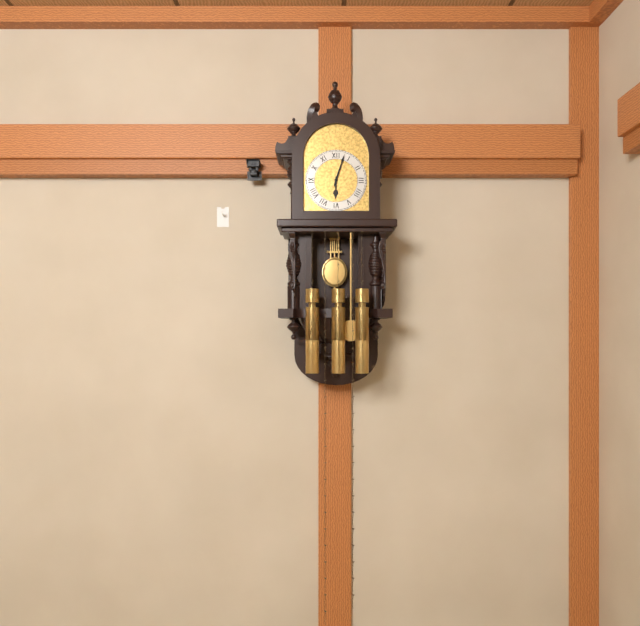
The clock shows 6.03
